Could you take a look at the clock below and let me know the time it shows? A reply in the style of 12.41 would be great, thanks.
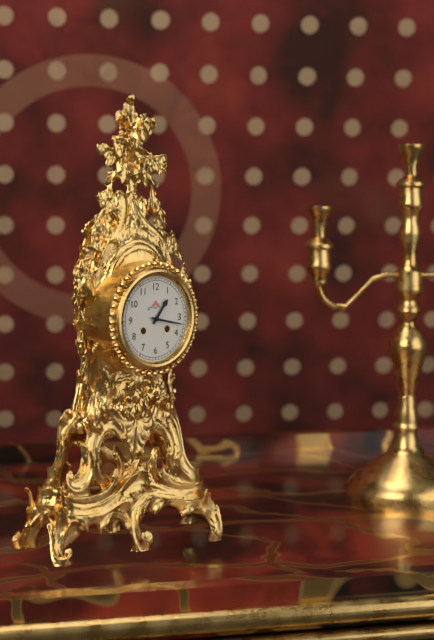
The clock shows 1.17
